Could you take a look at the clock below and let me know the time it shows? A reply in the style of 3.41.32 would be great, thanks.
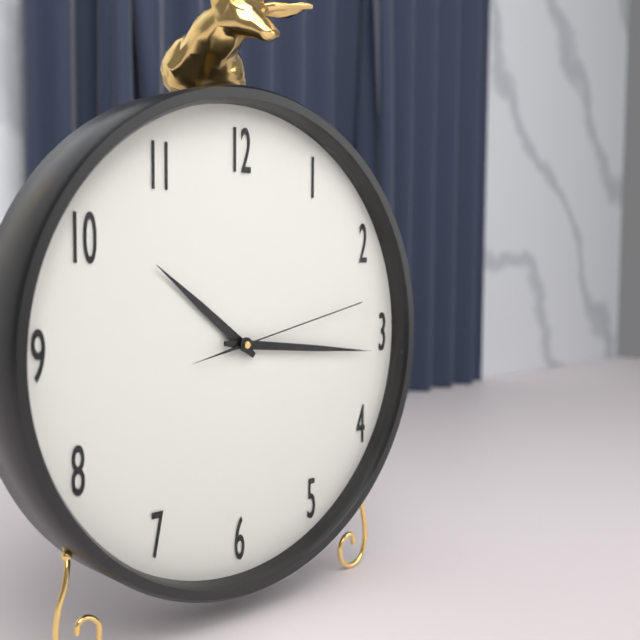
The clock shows 10.16.13
